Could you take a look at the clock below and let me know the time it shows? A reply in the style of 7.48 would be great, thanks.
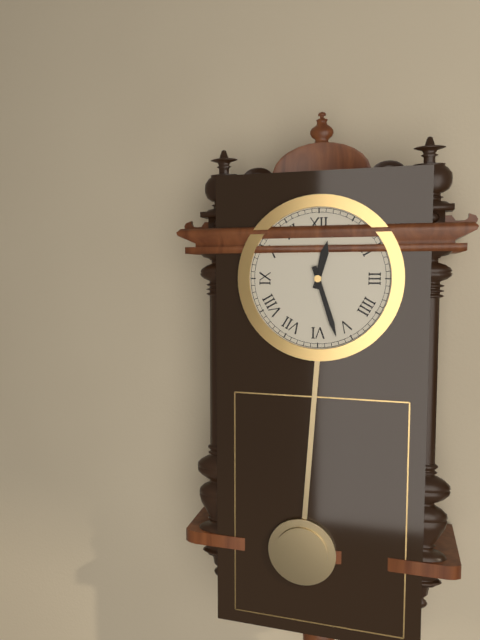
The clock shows 12.27
